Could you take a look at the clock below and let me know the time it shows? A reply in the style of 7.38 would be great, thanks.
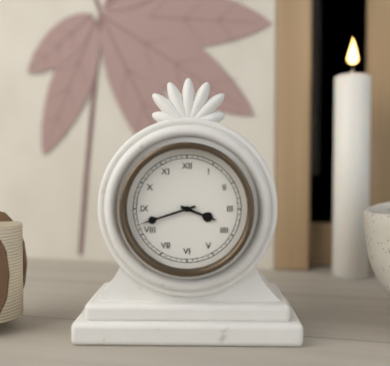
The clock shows 3.42
